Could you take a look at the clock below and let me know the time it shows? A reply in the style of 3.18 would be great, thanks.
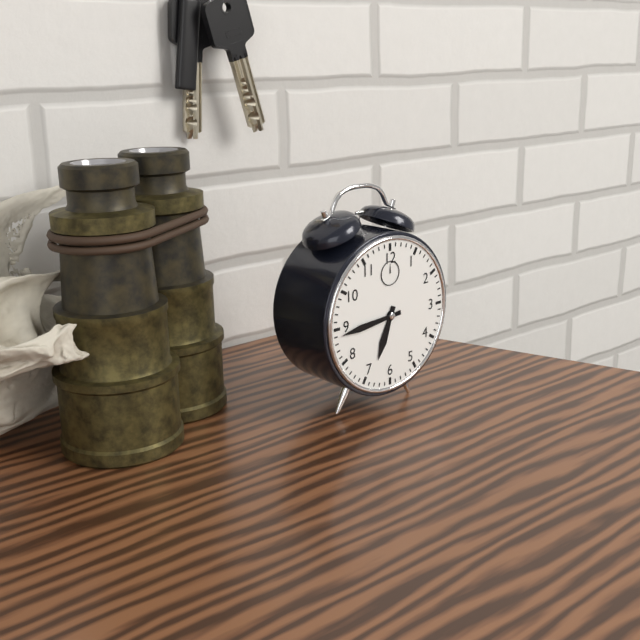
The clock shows 6.44
